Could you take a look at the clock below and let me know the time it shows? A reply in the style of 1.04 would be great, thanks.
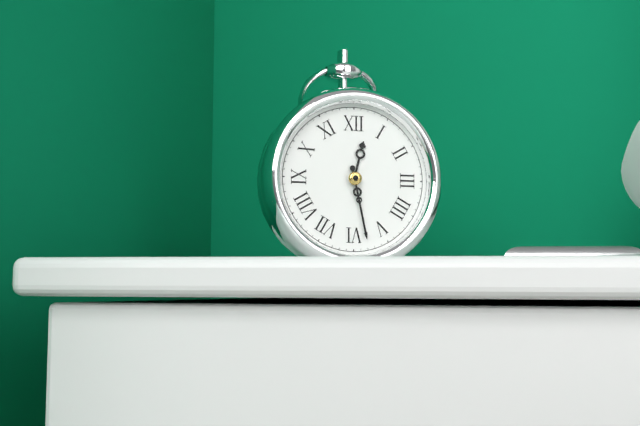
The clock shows 12.28
